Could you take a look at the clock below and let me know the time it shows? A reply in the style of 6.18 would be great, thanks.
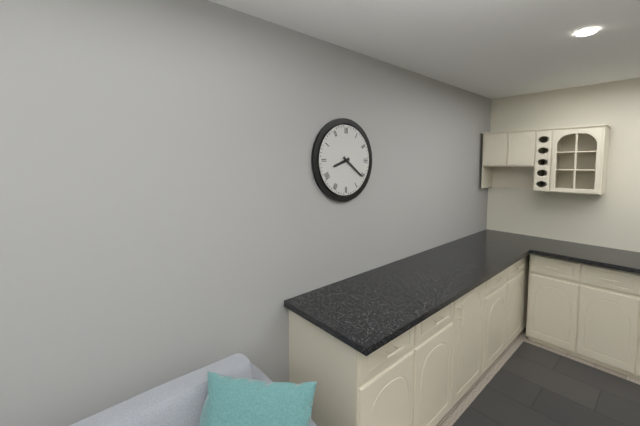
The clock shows 8.21
